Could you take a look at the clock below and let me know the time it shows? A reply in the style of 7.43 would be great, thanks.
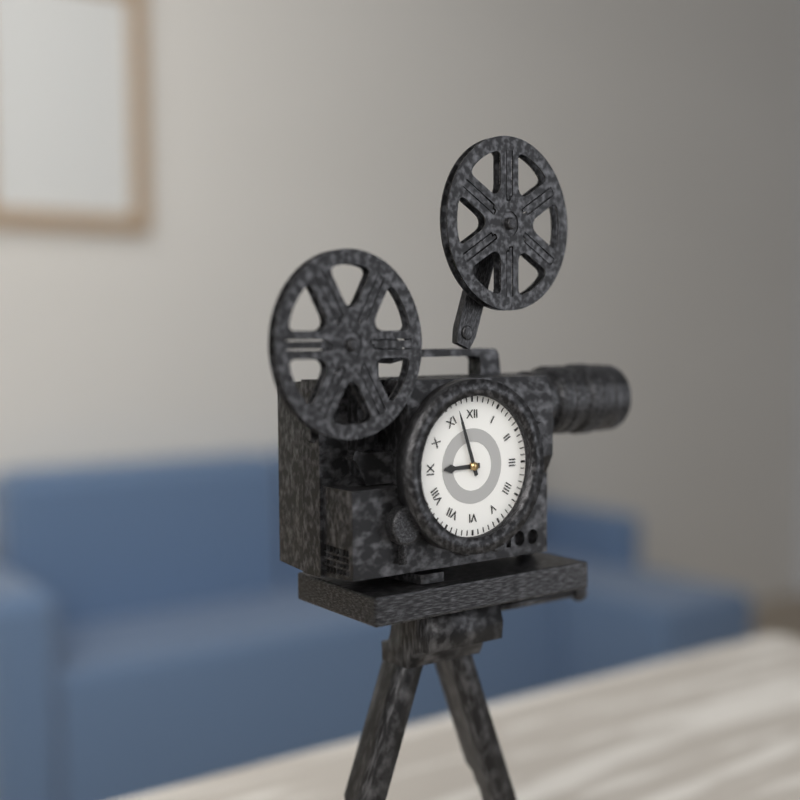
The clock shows 8.57
